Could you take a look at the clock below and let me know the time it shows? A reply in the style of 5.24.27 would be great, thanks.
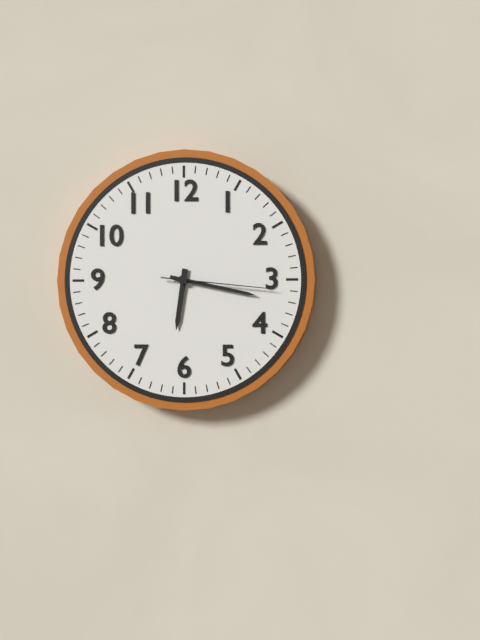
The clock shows 6.17.16
